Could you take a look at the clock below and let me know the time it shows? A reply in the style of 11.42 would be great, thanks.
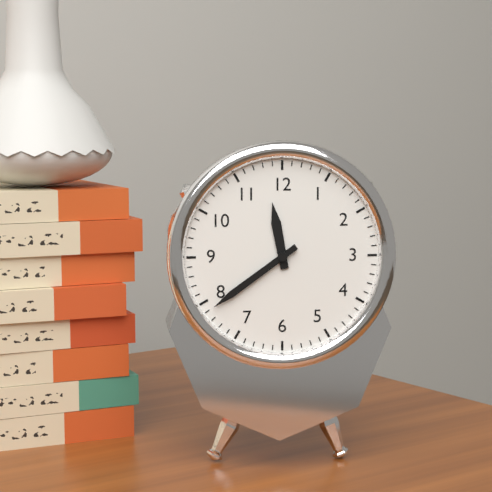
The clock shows 11.39
